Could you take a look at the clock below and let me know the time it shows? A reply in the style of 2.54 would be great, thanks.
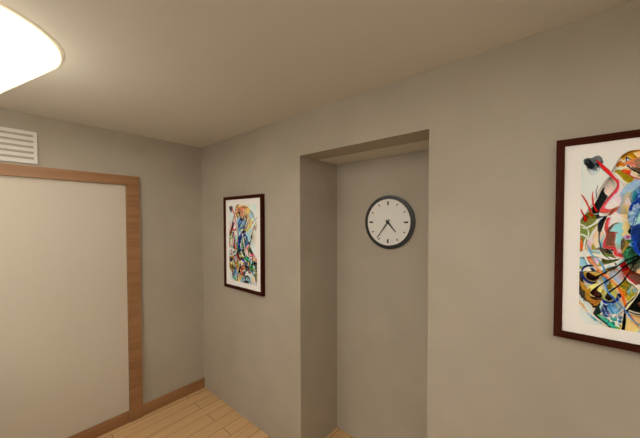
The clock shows 4.36
